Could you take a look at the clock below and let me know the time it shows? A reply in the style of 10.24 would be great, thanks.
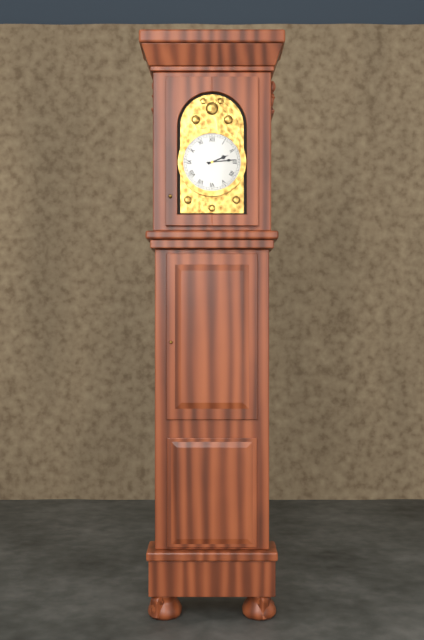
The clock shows 2.14
